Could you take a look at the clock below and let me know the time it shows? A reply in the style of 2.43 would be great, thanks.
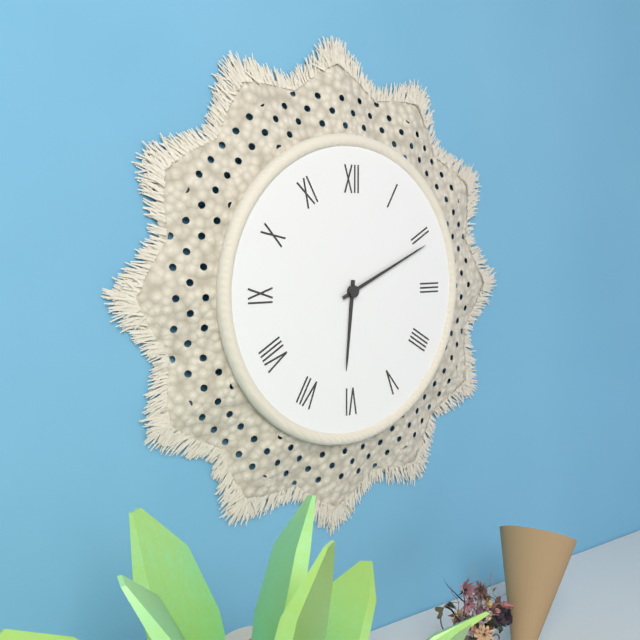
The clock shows 6.11
